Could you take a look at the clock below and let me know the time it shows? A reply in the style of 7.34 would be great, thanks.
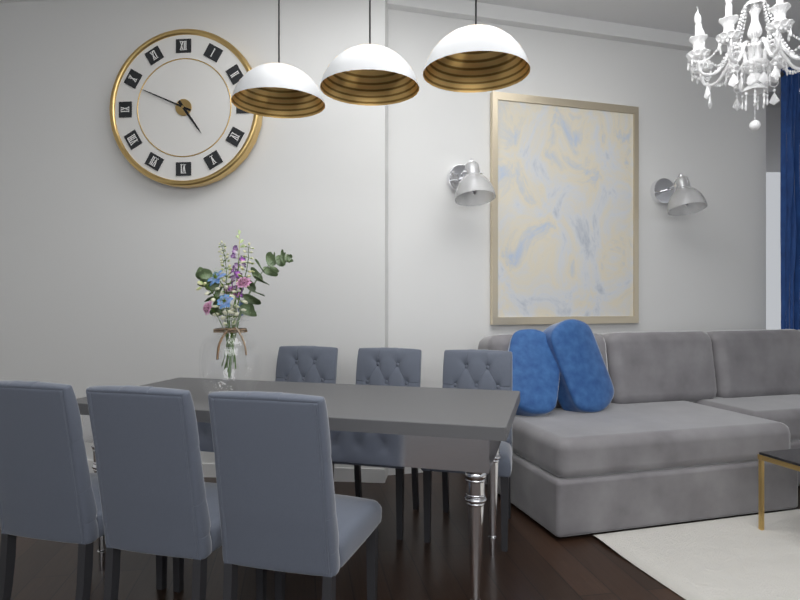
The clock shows 4.49
